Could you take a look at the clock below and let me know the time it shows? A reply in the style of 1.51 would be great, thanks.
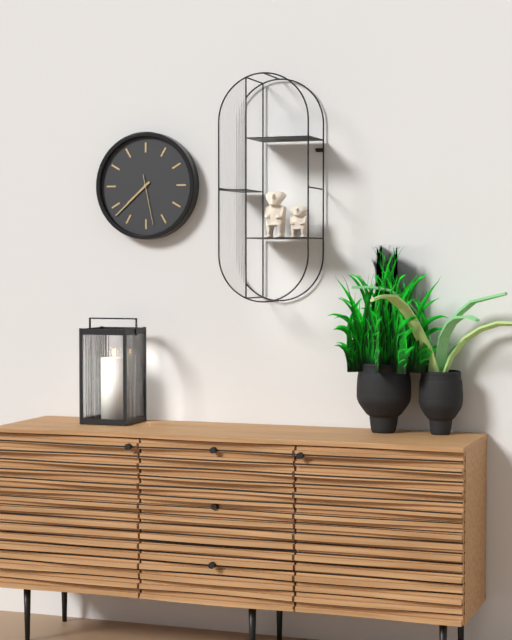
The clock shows 7.38
